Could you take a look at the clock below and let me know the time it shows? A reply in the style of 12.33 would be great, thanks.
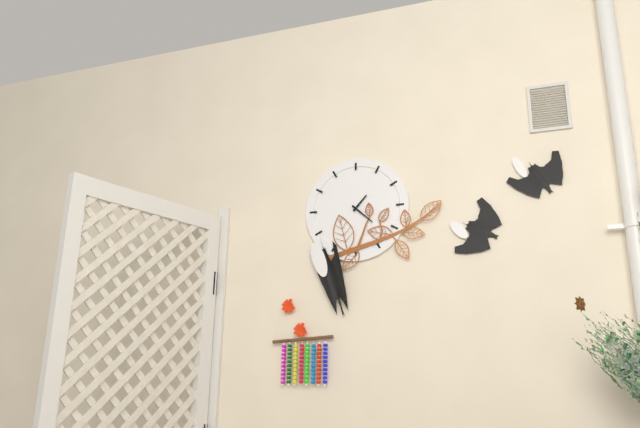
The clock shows 1.22
